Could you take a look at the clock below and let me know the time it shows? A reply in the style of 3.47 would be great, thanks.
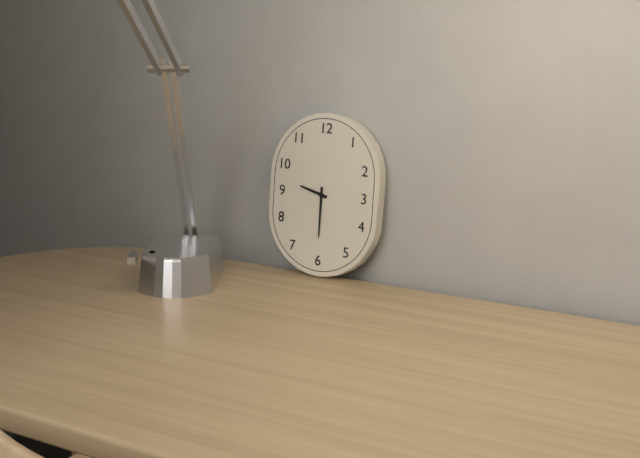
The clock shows 9.30
